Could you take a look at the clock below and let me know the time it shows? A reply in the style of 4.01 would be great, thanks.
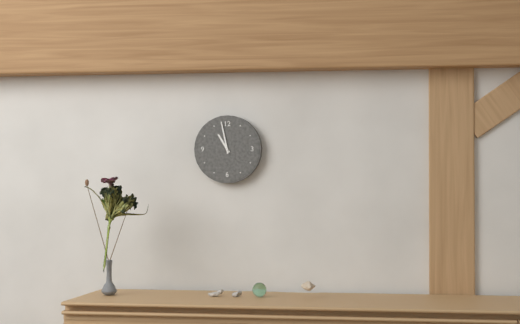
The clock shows 10.58
